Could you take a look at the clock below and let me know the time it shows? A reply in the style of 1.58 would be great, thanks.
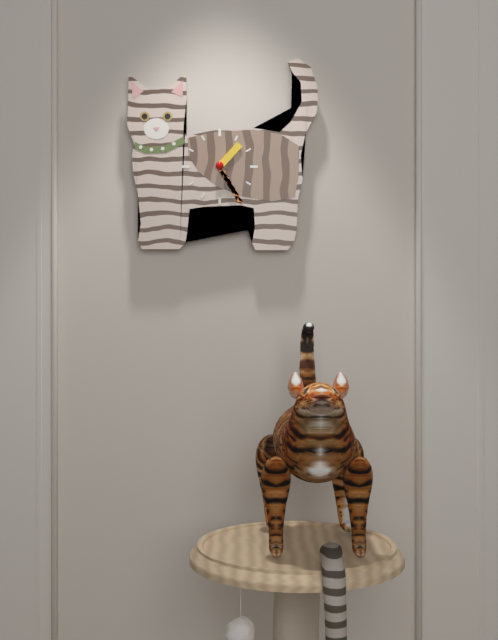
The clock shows 1.25
